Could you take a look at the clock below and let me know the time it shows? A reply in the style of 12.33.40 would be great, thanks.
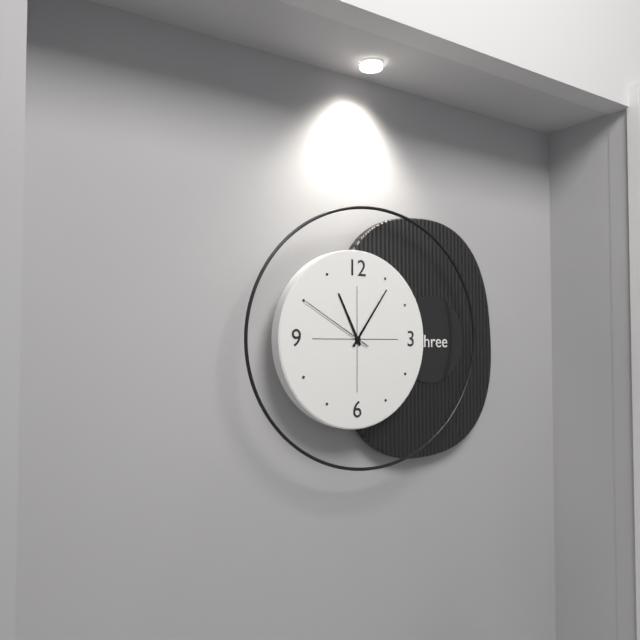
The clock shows 11.06.50
